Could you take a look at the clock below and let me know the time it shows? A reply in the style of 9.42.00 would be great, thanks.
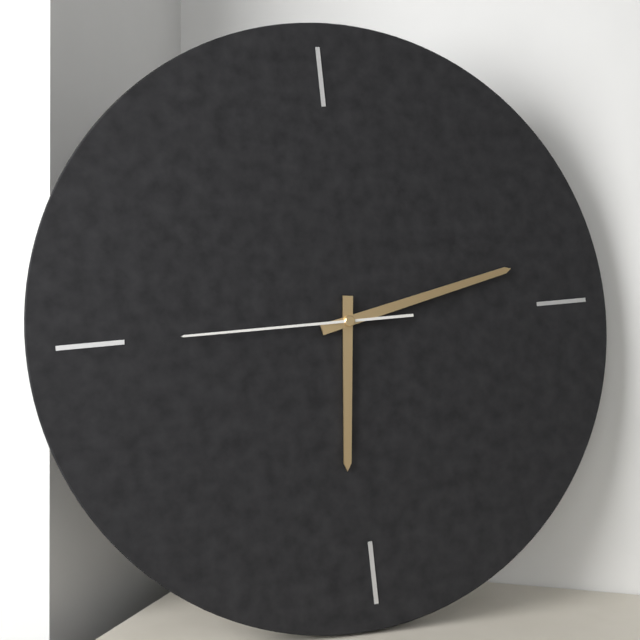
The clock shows 6.13.45
